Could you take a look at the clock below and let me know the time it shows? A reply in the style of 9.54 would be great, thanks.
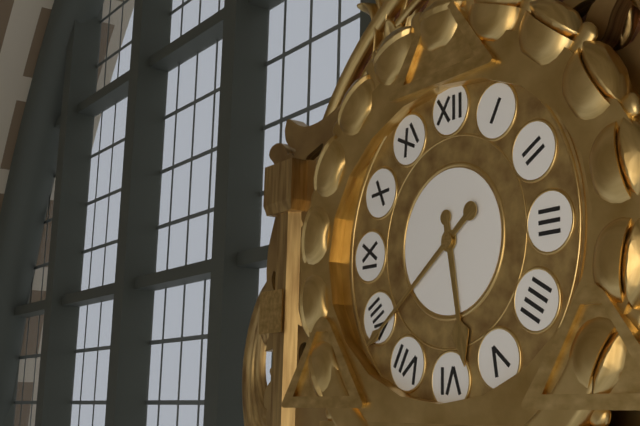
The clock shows 5.39
